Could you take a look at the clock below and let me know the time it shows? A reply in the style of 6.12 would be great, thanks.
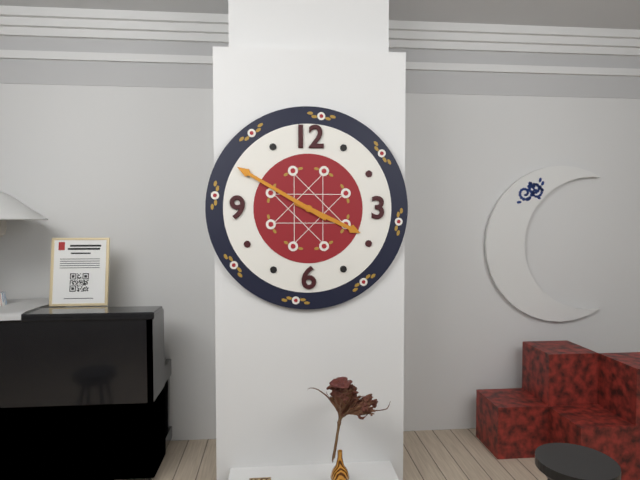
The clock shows 3.50
